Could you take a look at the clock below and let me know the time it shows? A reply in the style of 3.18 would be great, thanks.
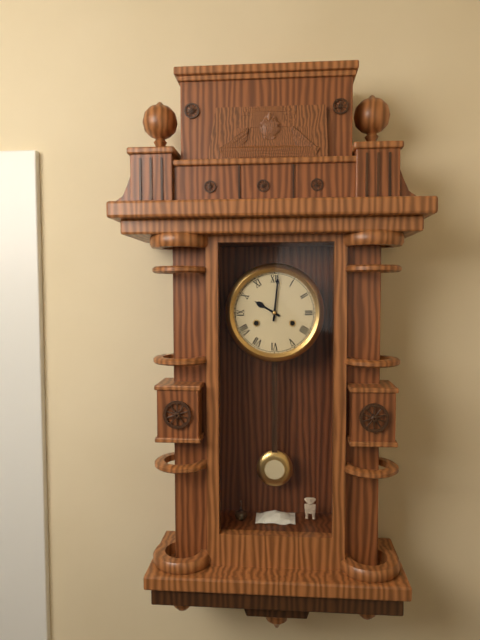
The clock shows 10.01
